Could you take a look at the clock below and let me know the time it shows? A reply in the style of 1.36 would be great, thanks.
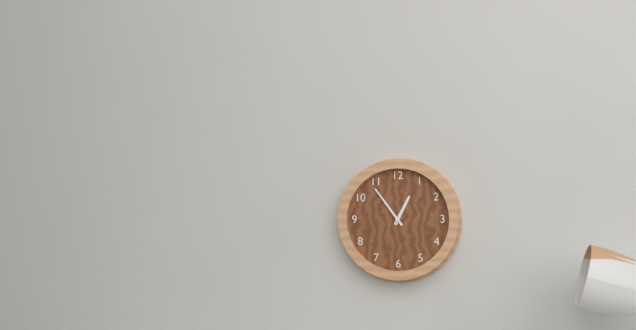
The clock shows 12.54
